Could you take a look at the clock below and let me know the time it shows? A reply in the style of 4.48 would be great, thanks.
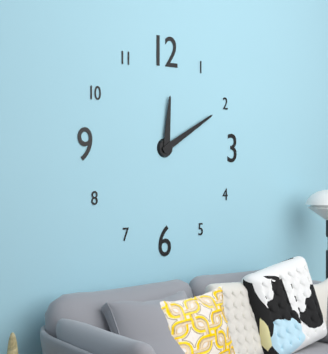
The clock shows 12.10
